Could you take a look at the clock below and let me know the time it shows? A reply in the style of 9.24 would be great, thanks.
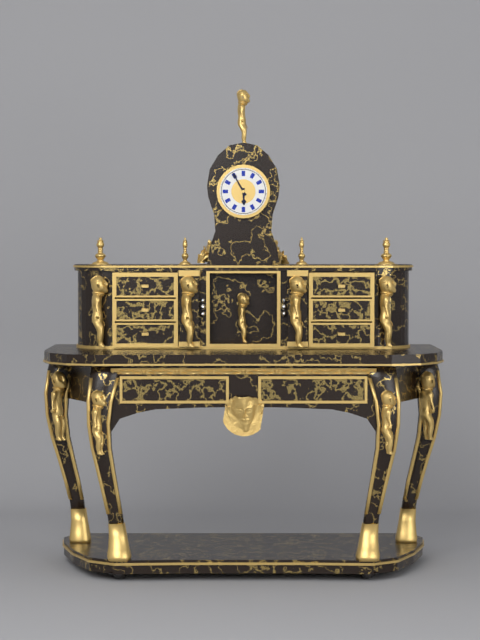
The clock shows 5.55
